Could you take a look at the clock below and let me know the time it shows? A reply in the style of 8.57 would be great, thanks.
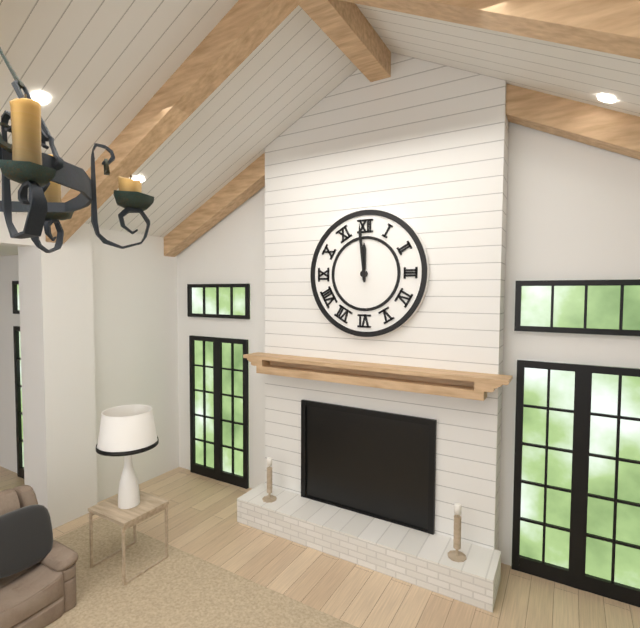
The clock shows 11.59
